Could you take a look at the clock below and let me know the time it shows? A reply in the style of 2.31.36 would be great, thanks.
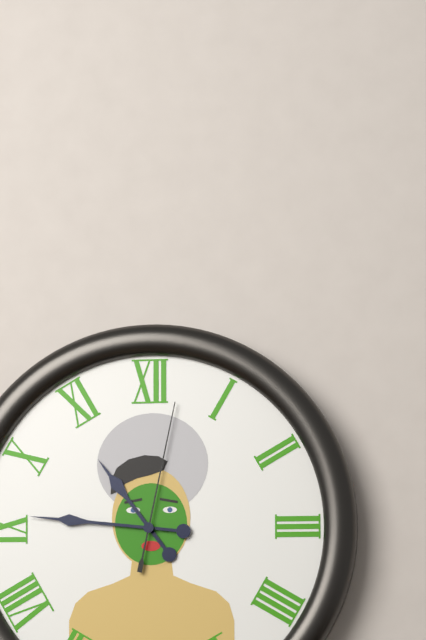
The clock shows 10.46.02
